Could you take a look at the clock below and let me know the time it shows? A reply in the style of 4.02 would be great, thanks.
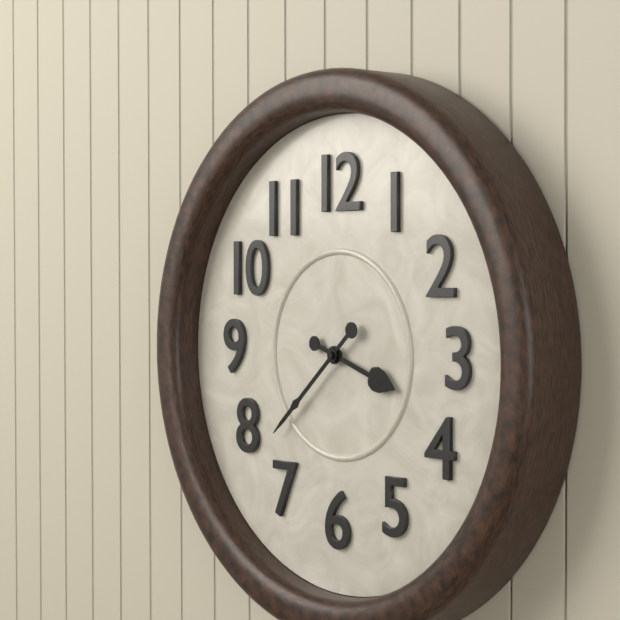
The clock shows 3.38
